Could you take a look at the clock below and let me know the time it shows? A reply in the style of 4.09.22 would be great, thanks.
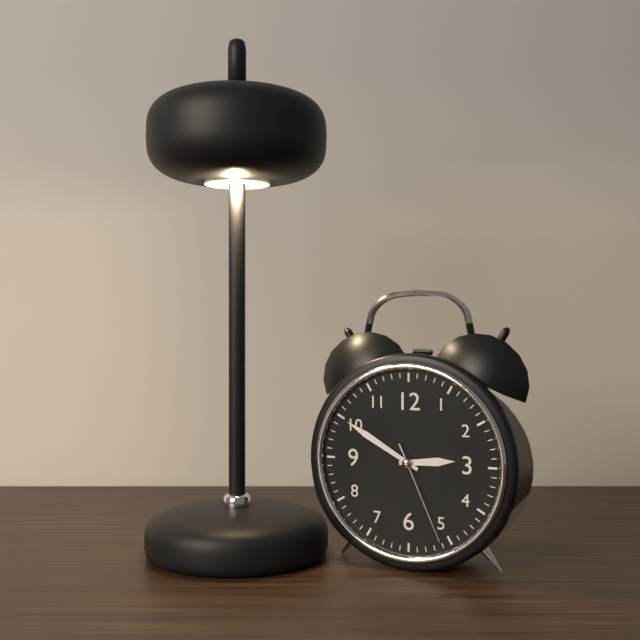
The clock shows 2.50.26
